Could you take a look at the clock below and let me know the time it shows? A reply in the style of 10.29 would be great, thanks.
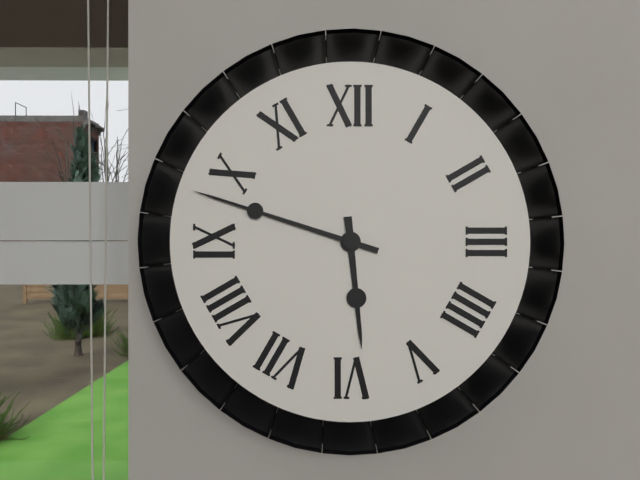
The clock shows 5.48
